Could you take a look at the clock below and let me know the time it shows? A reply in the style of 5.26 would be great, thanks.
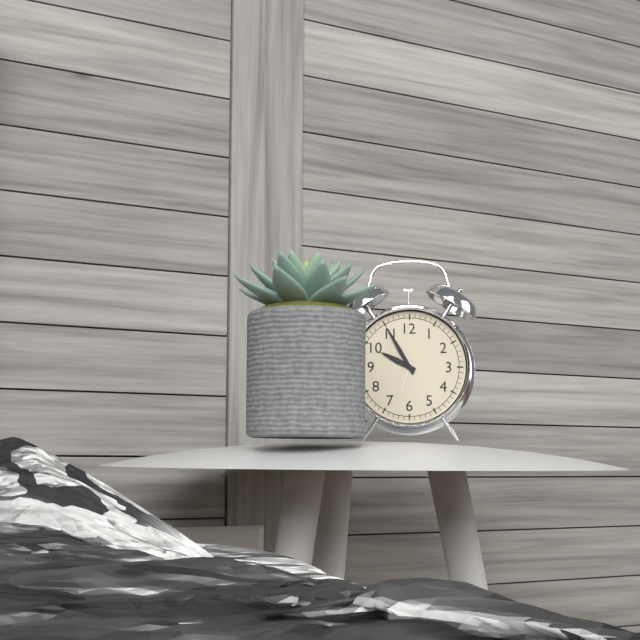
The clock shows 9.55
